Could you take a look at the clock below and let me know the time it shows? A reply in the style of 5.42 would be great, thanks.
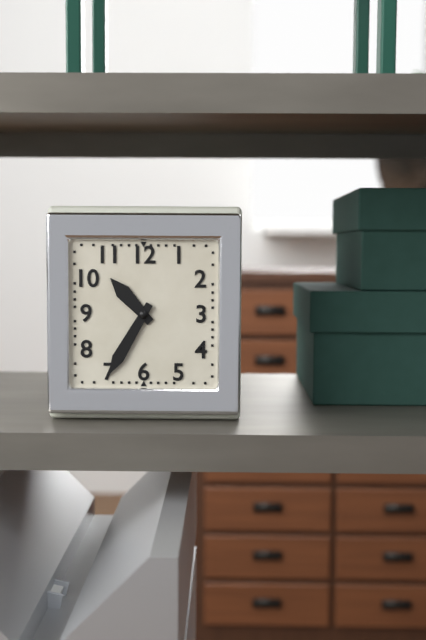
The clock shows 10.35
